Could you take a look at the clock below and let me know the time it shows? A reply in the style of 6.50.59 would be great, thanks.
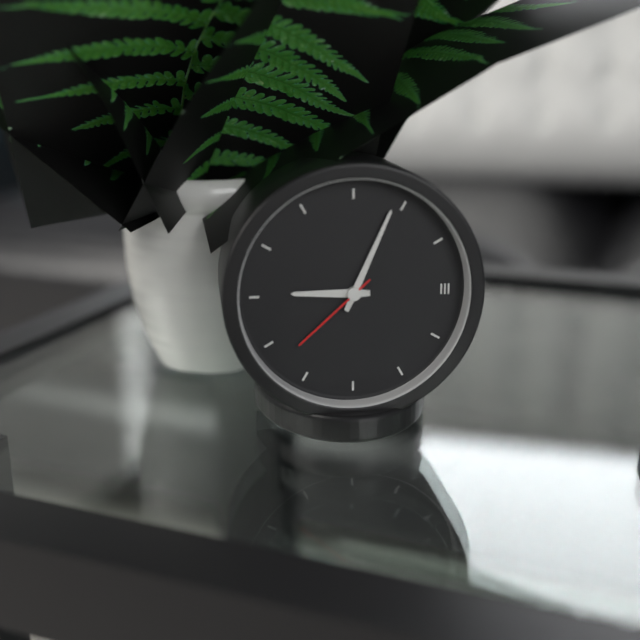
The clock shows 9.04.38
